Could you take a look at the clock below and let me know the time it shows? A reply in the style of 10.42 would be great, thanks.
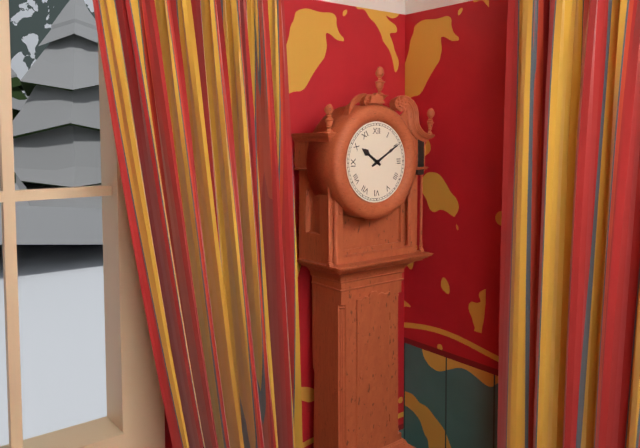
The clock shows 10.10
